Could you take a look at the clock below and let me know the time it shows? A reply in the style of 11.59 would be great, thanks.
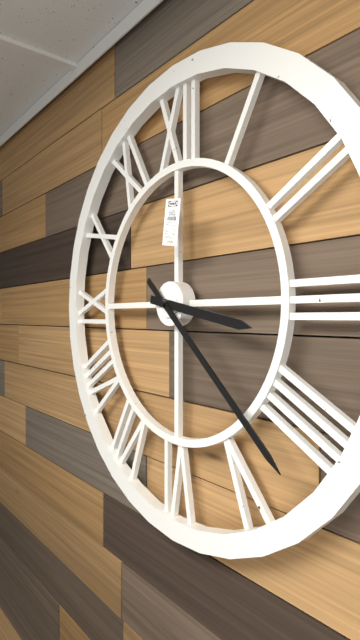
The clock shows 3.22
